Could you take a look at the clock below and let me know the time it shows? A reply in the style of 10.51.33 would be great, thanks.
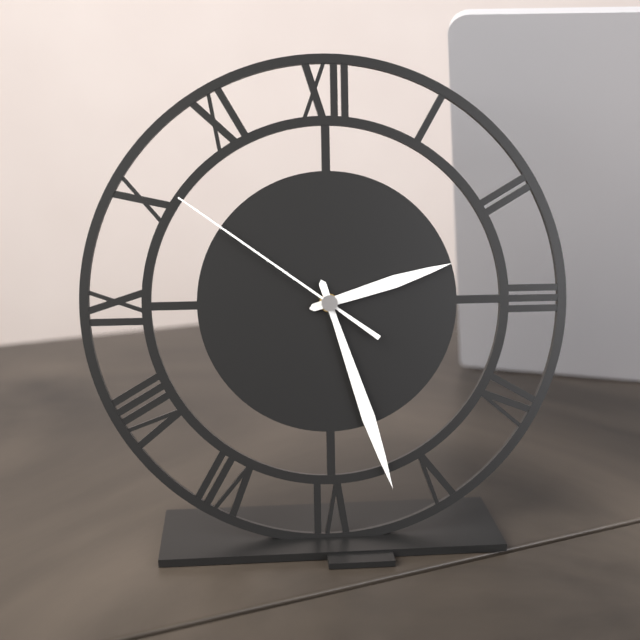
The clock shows 2.27.51
